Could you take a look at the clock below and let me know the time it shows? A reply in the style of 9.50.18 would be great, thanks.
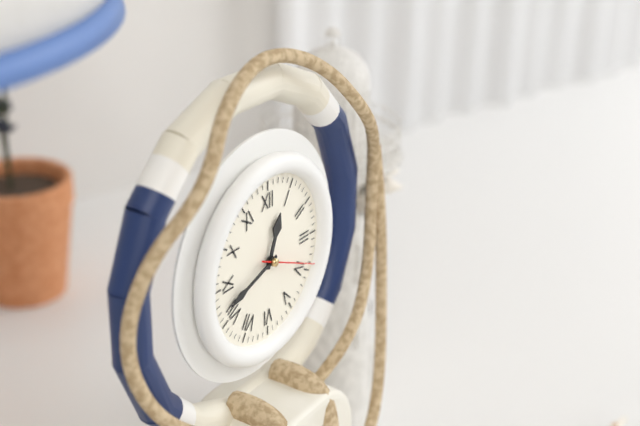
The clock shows 12.42.19
